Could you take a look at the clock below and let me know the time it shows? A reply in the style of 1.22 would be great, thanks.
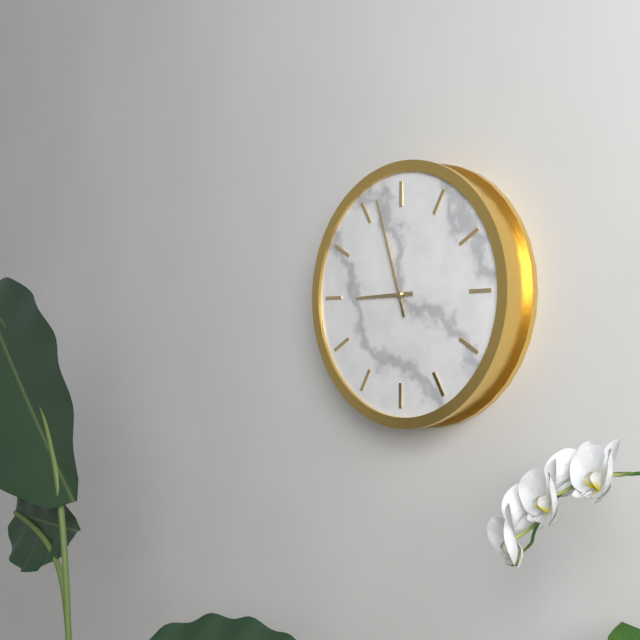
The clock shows 8.57
